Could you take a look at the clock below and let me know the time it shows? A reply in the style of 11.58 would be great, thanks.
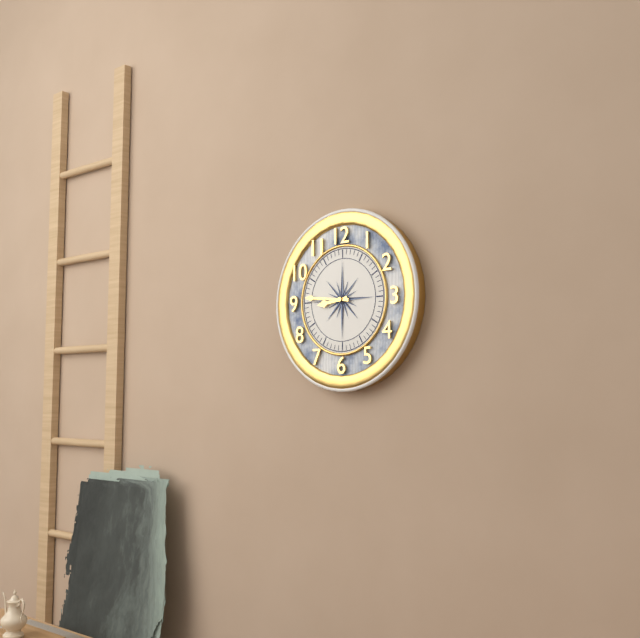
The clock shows 8.46
